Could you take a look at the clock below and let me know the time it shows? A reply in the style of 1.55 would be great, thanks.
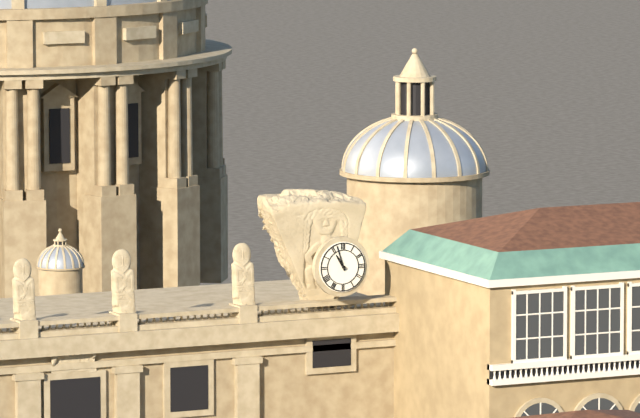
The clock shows 10.57
